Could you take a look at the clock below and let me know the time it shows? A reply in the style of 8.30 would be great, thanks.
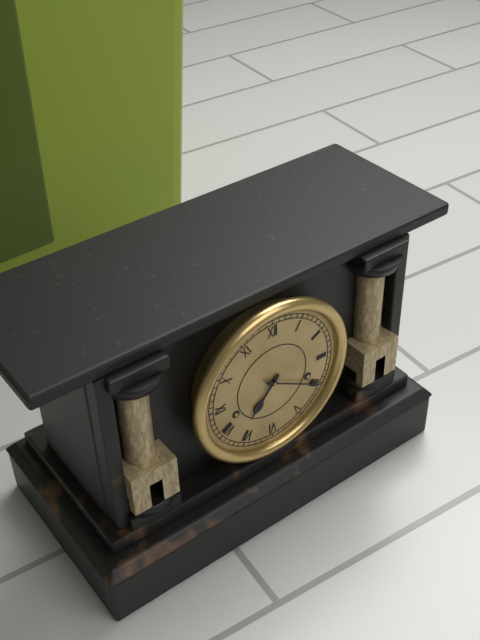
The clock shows 7.20
